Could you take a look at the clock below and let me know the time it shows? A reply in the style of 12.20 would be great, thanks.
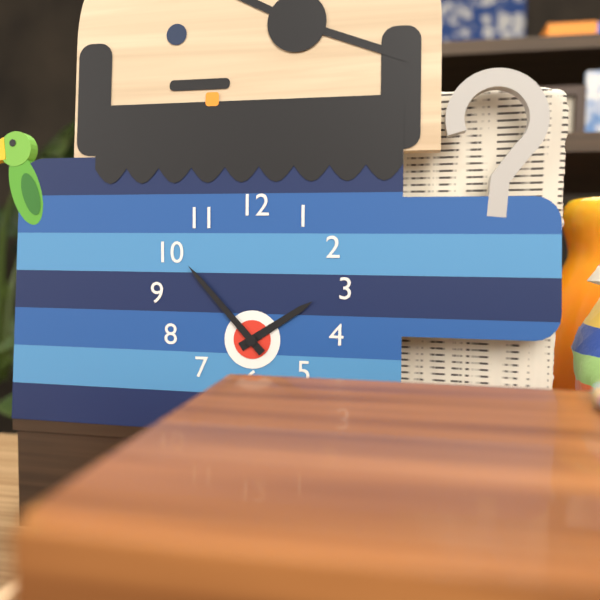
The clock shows 1.53
